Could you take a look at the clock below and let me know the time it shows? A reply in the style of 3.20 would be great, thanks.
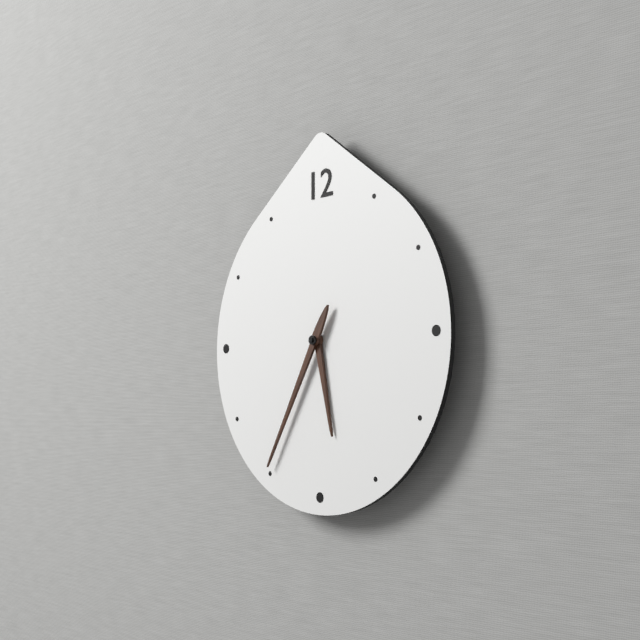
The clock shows 5.35
